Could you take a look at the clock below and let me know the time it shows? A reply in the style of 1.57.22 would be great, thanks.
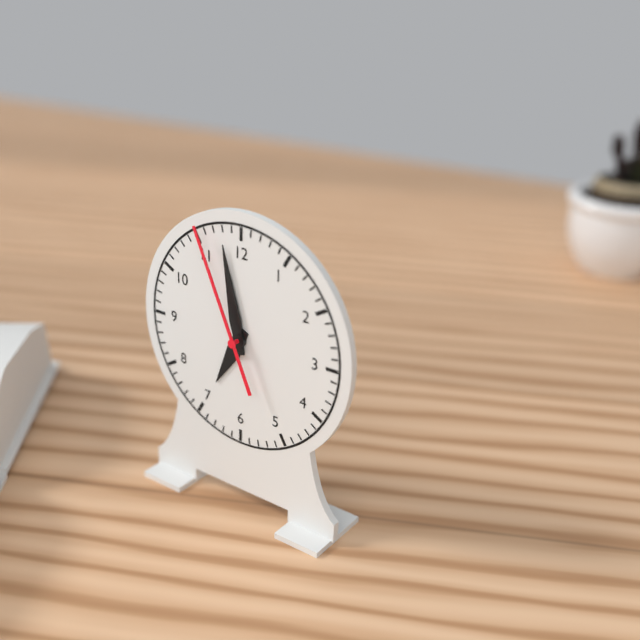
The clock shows 6.58.56
